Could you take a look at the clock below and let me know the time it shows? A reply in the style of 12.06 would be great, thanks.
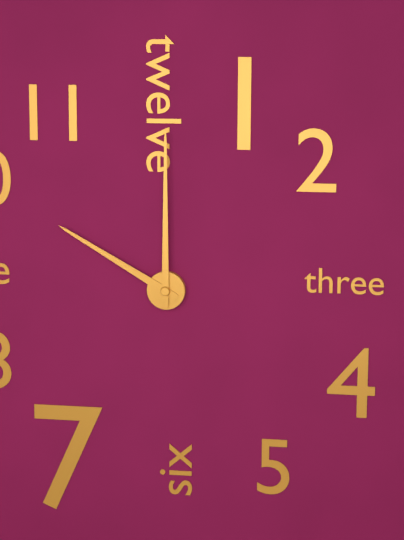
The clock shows 10.00
